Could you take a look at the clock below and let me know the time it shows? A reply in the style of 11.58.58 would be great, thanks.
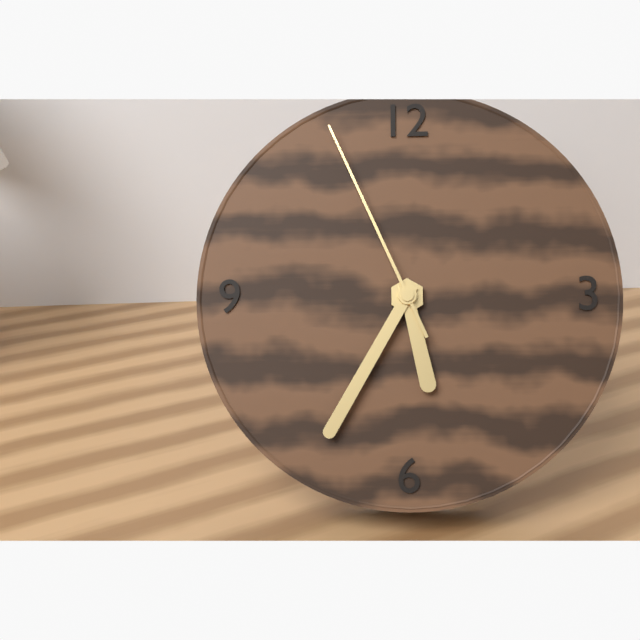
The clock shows 5.35.56
